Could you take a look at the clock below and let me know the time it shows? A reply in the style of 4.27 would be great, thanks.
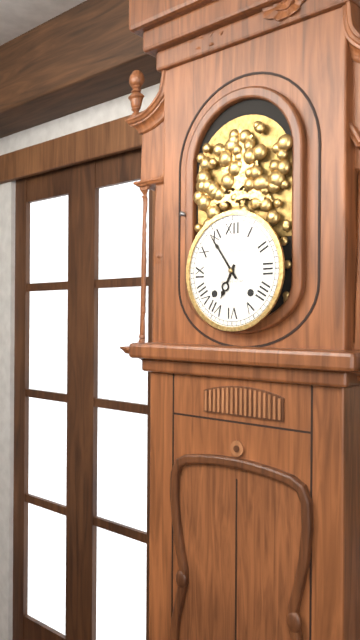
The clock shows 6.54
